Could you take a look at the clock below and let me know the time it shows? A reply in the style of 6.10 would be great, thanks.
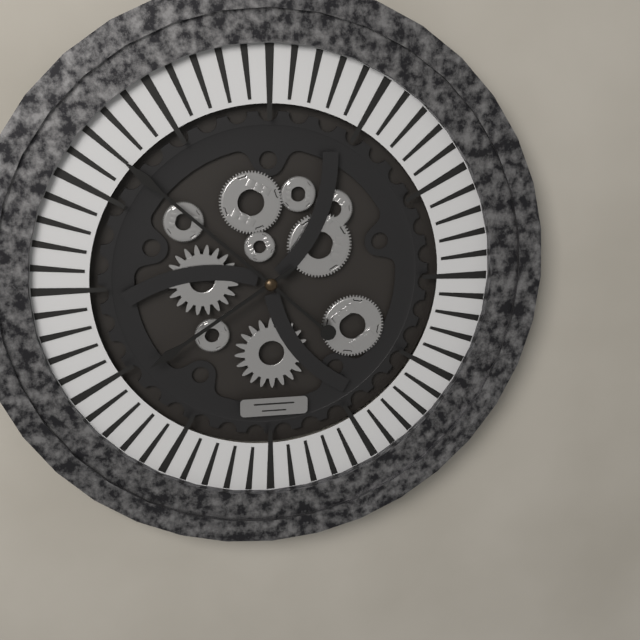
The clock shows 7.52
